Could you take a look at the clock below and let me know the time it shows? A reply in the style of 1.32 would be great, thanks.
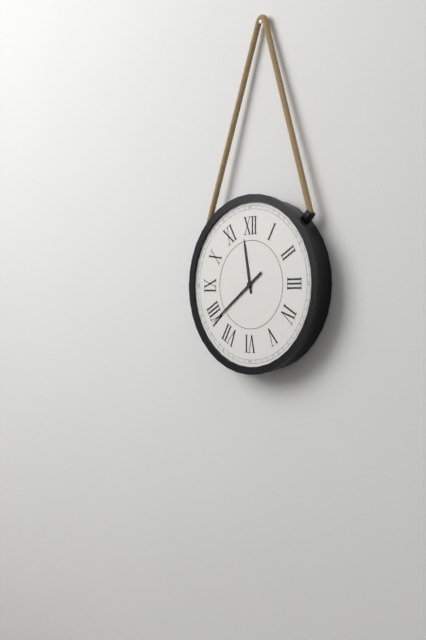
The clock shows 11.39
